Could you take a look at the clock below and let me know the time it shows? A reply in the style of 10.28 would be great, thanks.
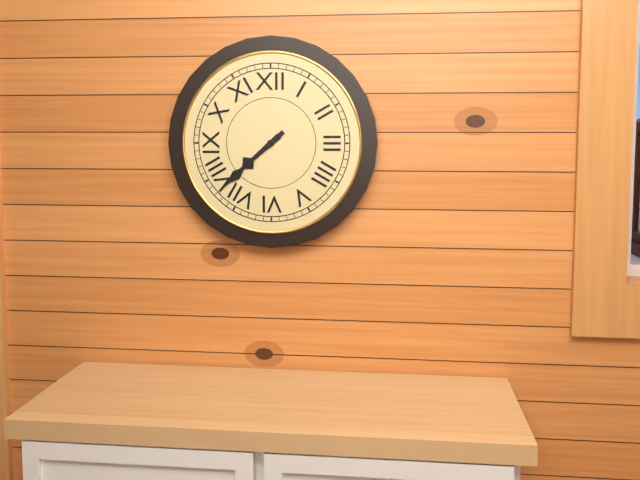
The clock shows 7.38
